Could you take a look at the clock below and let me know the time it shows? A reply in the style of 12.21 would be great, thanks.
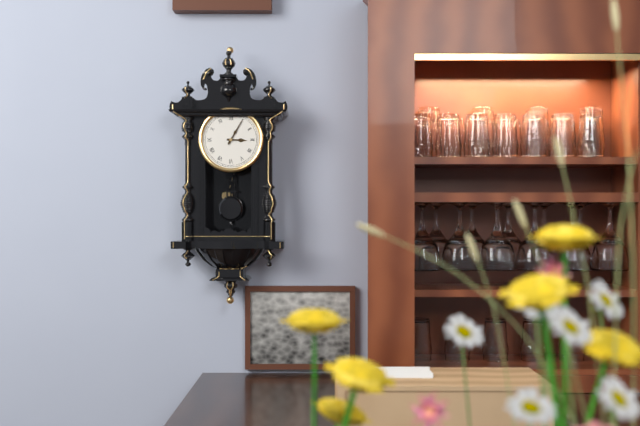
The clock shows 3.05
